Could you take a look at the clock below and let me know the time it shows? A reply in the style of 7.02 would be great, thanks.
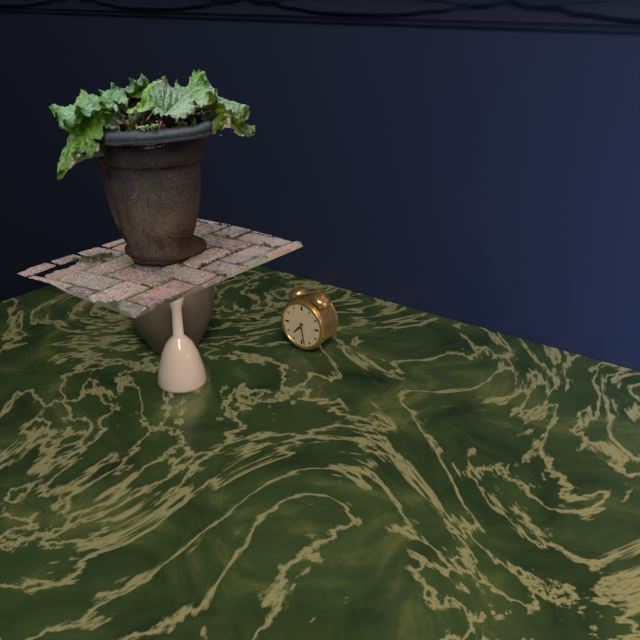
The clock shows 7.28
